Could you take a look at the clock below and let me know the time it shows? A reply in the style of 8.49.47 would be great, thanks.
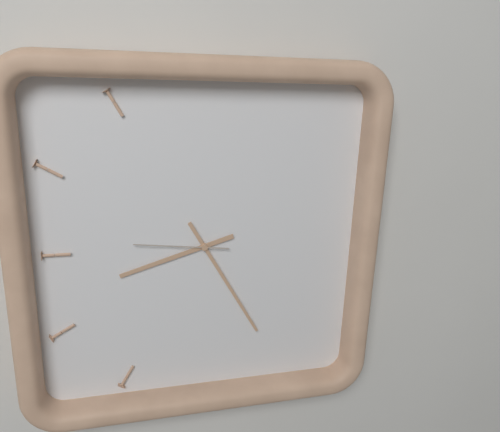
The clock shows 8.25.46
